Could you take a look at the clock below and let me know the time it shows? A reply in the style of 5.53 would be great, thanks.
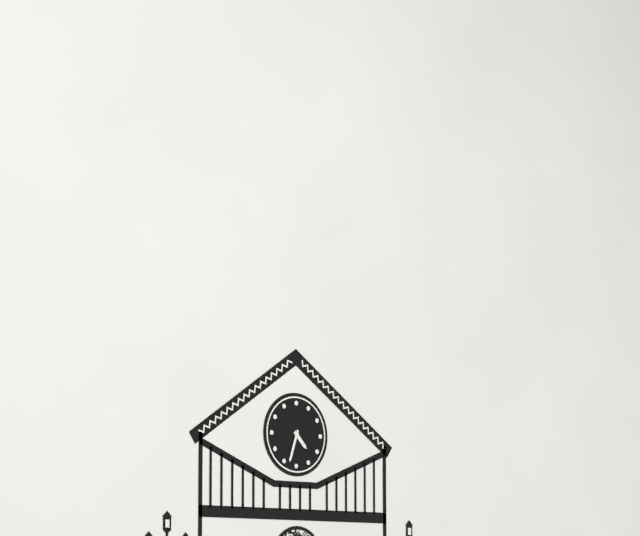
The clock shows 4.33
